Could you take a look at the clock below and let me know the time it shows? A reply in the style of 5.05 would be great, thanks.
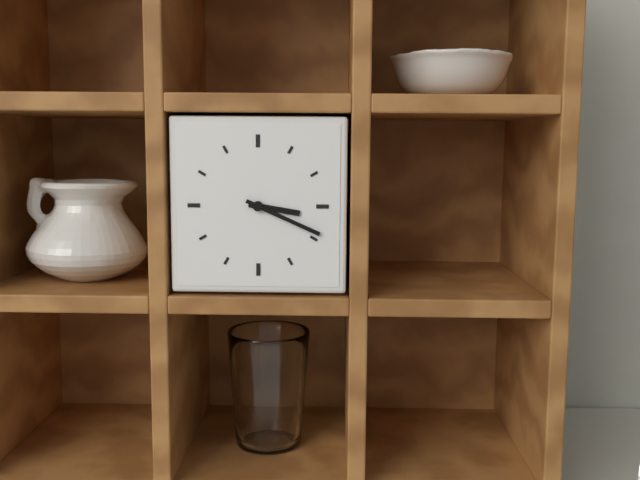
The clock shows 3.19
